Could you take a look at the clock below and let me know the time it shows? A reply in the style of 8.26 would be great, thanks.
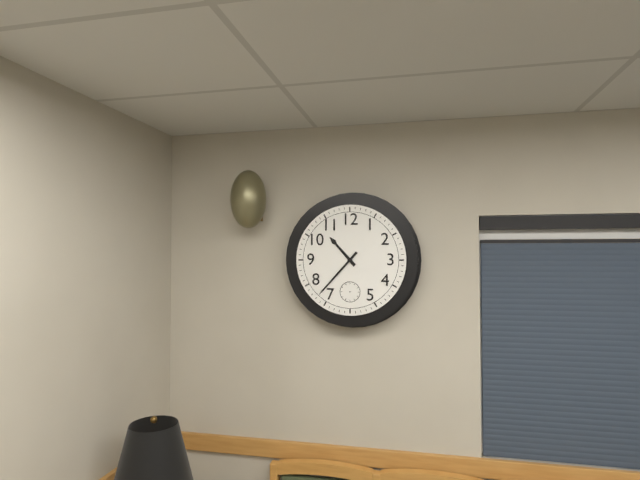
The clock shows 10.37
